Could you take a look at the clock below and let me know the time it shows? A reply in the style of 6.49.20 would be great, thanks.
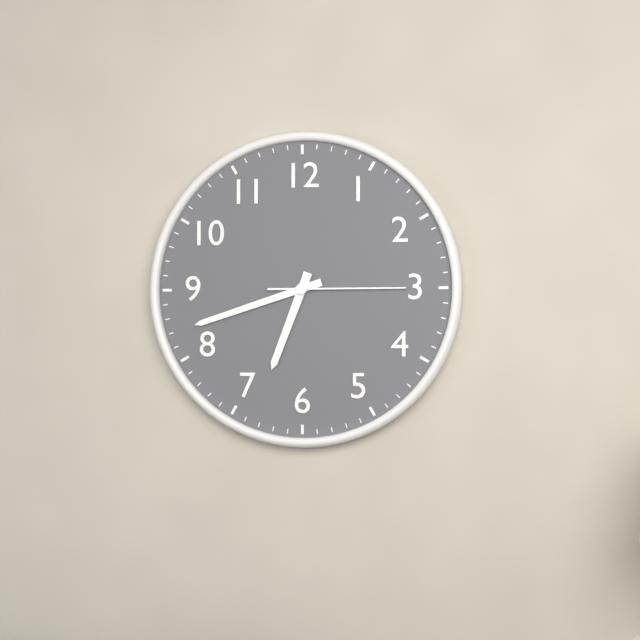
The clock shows 6.42.15
